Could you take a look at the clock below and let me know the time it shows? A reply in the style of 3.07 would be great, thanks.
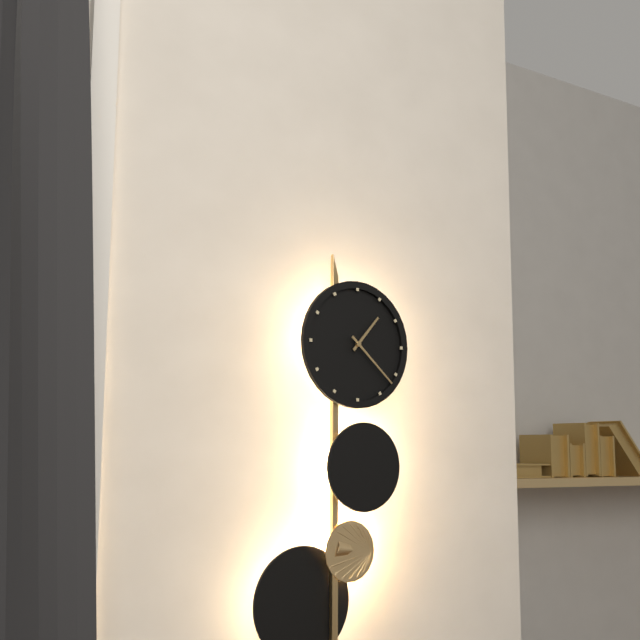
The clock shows 1.22
